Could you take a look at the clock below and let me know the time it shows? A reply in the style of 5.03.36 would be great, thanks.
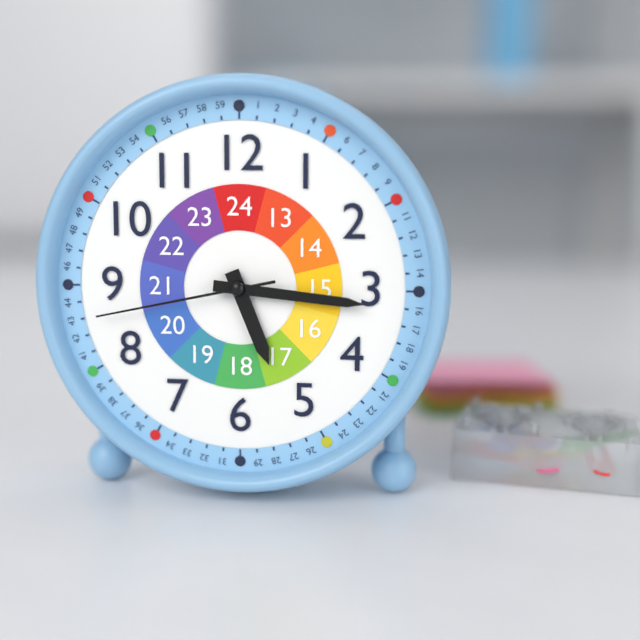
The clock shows 5.16.43
